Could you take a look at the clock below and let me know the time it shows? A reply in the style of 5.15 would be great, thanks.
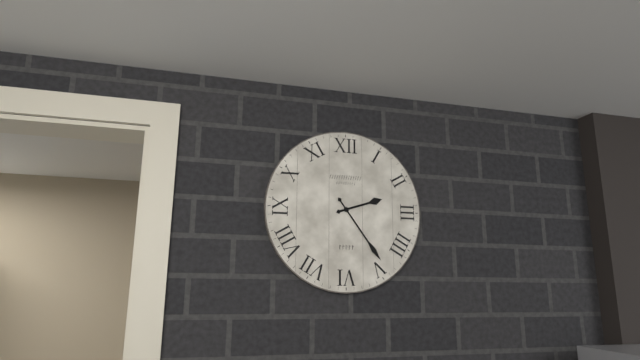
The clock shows 2.24
